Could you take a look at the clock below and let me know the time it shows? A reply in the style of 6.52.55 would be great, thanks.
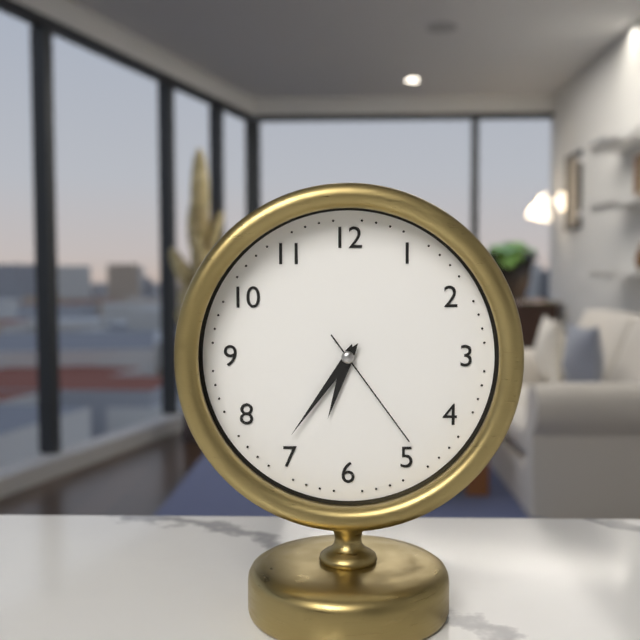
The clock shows 6.36.24
